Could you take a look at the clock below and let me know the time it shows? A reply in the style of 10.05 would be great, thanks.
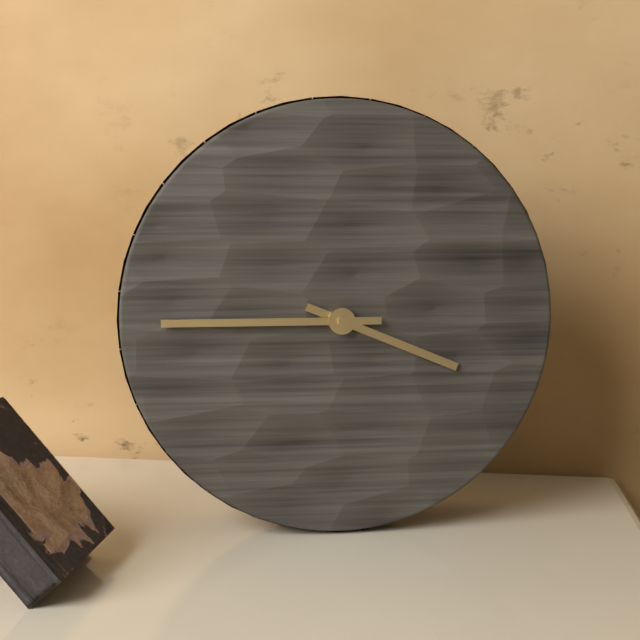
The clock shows 3.45
